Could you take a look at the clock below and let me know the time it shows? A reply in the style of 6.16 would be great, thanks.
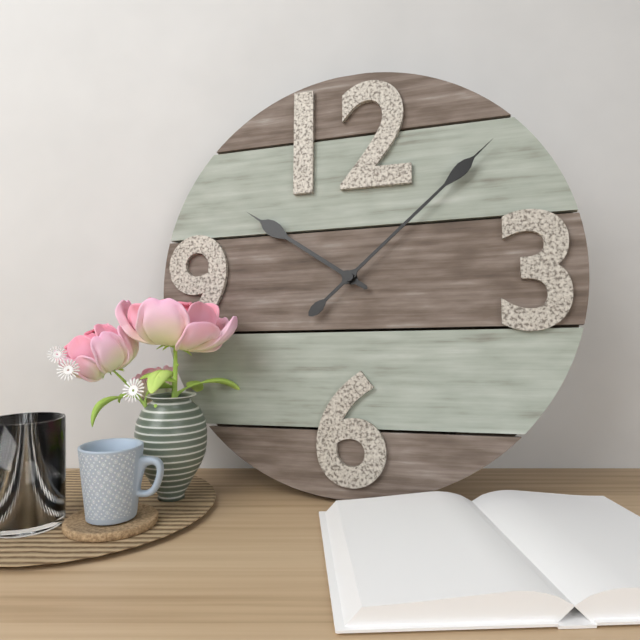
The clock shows 10.08
